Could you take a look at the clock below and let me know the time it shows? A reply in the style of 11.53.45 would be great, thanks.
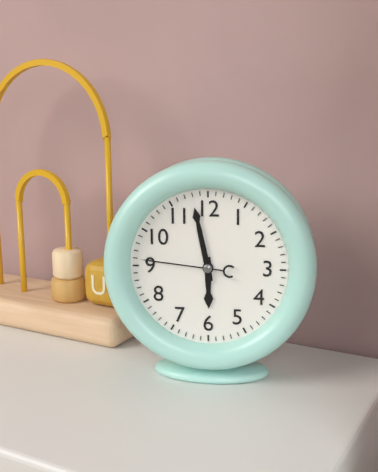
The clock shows 5.58.46
